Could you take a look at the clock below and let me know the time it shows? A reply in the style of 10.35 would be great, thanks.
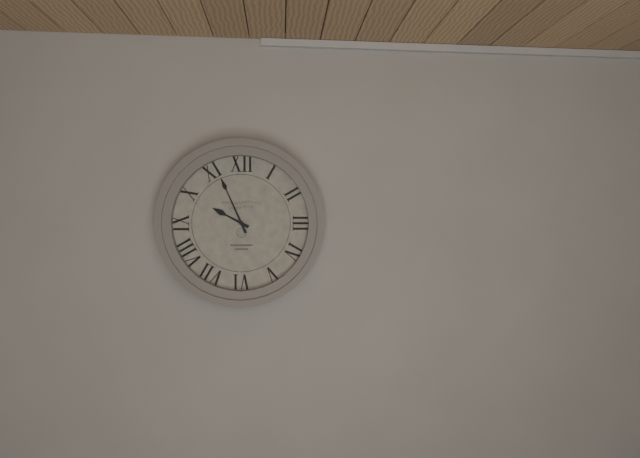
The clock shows 9.56
